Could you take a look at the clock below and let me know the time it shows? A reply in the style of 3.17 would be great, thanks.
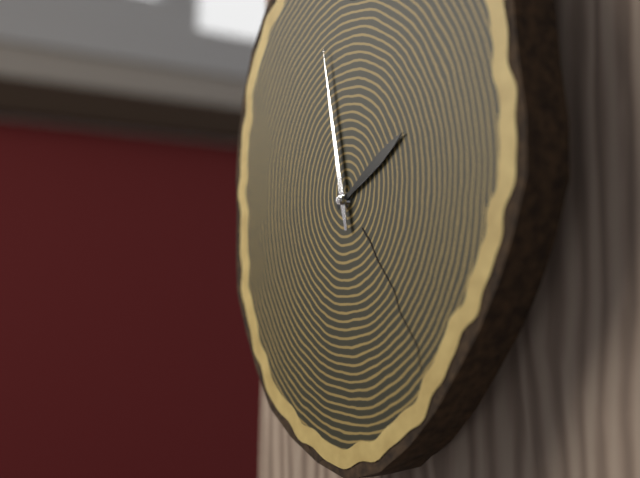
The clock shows 1.58
